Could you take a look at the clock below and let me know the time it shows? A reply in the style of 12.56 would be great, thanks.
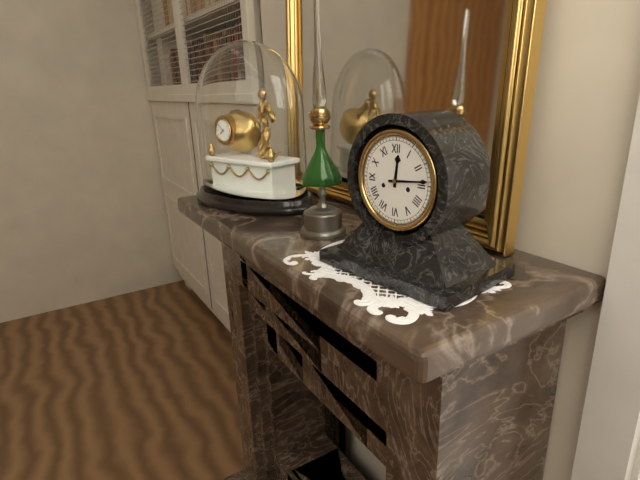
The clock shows 12.14
